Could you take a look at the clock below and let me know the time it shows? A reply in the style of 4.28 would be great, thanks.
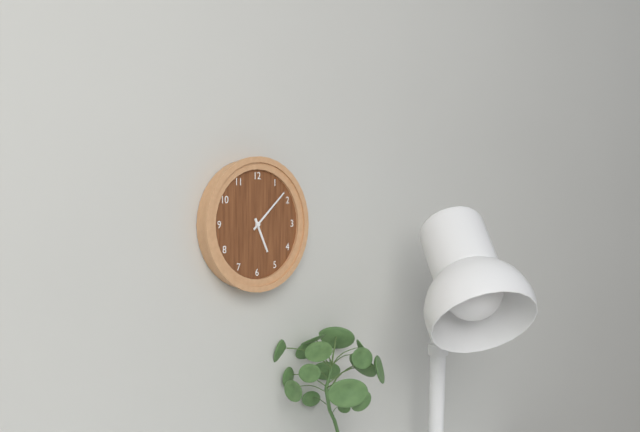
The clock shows 5.08
